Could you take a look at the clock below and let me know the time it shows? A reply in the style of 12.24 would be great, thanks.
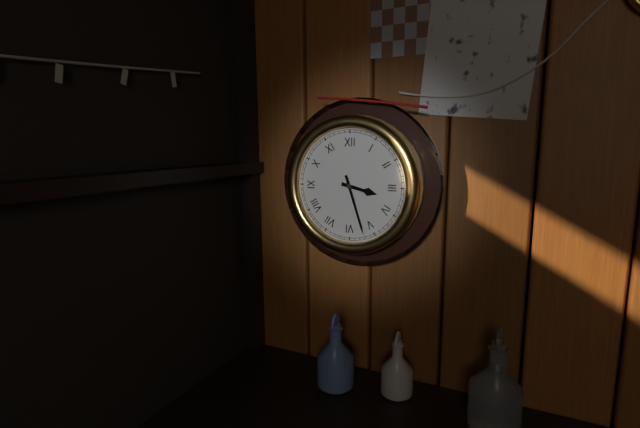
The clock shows 3.27
